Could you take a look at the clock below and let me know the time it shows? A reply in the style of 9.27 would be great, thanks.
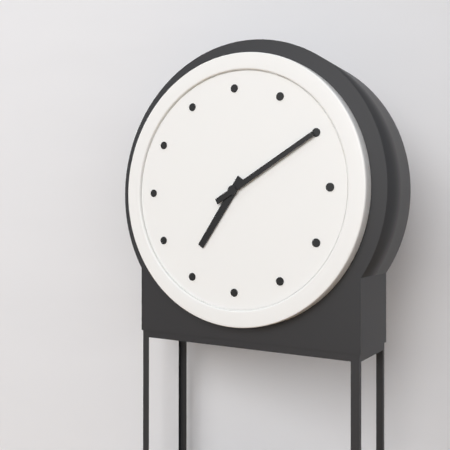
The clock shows 7.10
